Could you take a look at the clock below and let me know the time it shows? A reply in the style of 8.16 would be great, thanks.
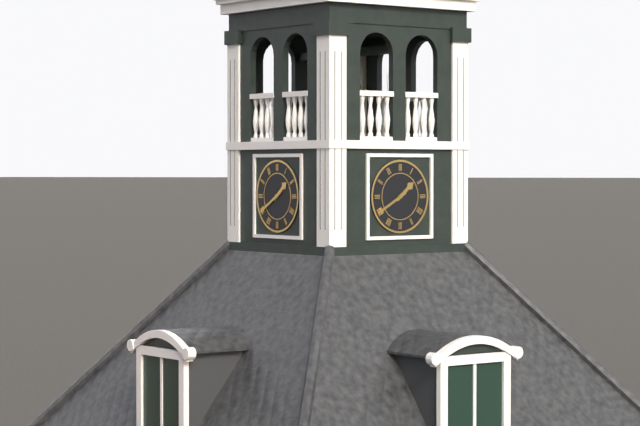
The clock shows 1.40
